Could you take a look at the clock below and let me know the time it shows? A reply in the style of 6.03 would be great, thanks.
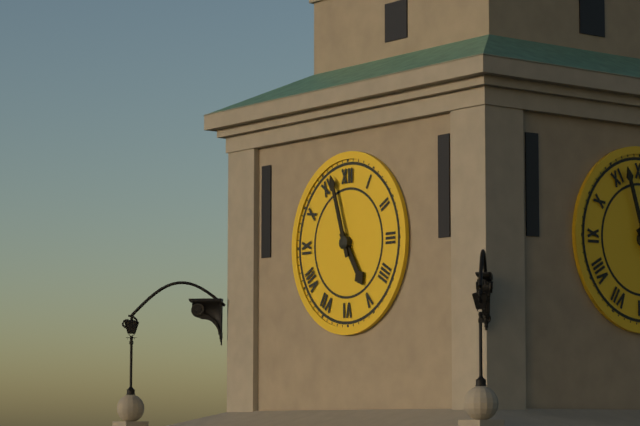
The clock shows 4.57
